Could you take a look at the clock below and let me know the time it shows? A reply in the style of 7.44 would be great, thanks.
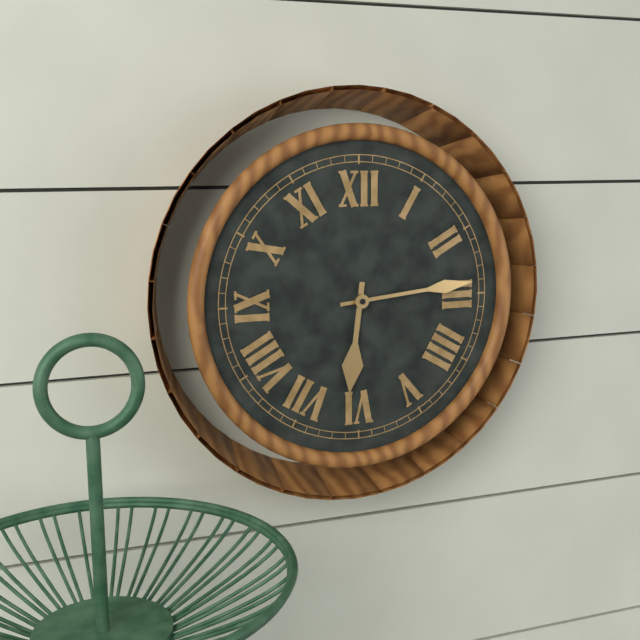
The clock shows 6.14
